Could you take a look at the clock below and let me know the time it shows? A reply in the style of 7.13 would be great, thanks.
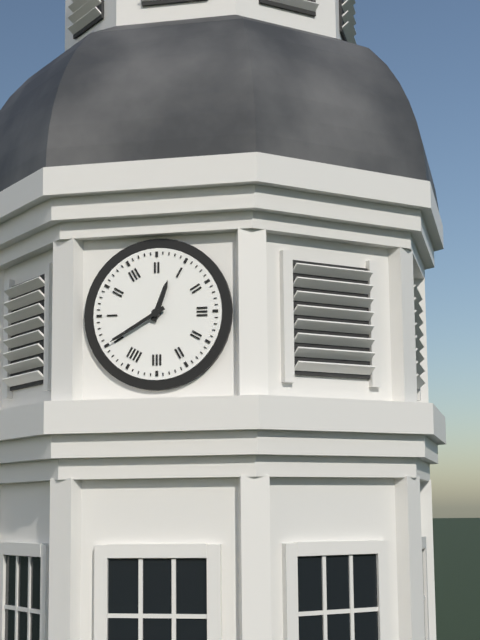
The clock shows 12.40
